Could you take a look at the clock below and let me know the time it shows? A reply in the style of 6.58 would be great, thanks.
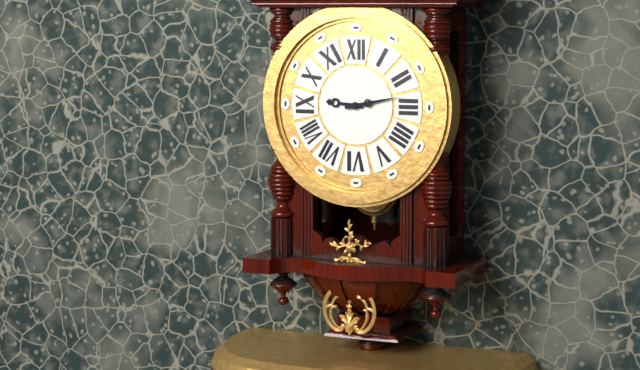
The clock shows 9.13
